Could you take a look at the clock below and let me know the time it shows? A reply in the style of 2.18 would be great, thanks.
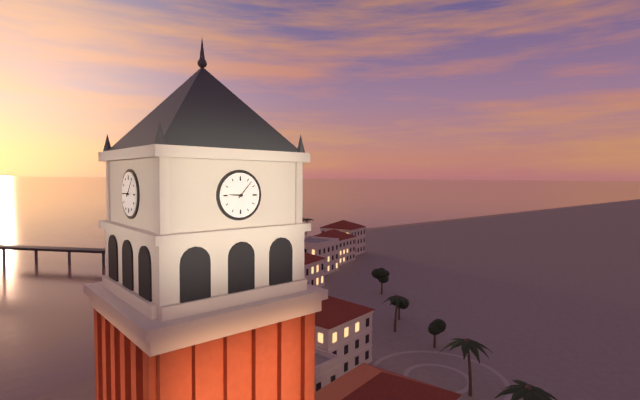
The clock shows 9.07
